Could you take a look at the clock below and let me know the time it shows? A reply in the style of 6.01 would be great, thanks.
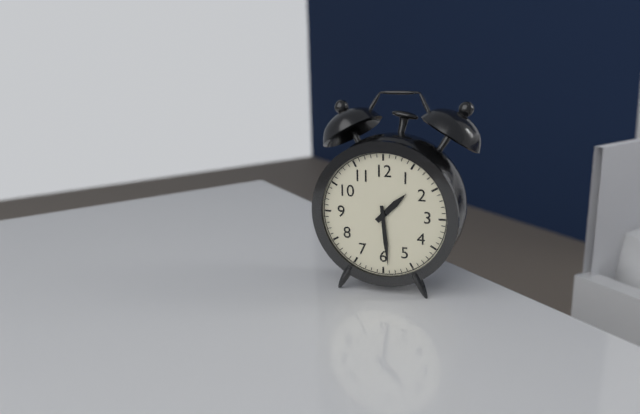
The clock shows 1.29
